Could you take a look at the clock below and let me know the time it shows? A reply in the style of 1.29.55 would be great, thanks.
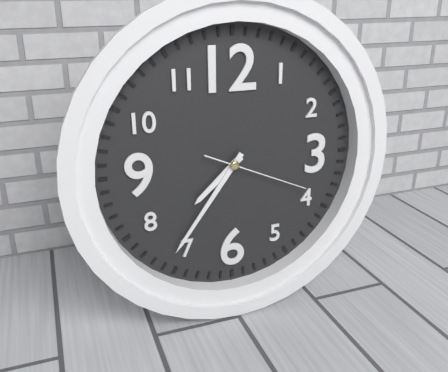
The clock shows 7.36.19
